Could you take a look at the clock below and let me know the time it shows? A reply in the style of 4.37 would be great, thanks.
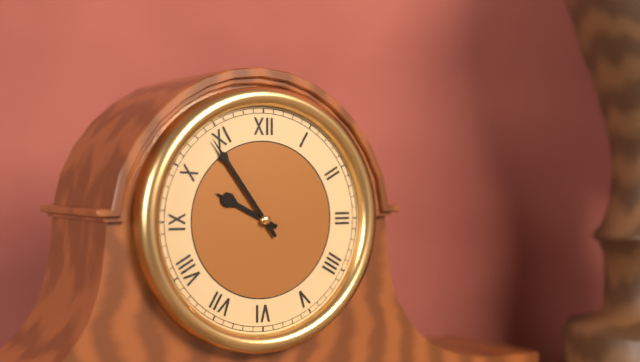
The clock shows 9.54
